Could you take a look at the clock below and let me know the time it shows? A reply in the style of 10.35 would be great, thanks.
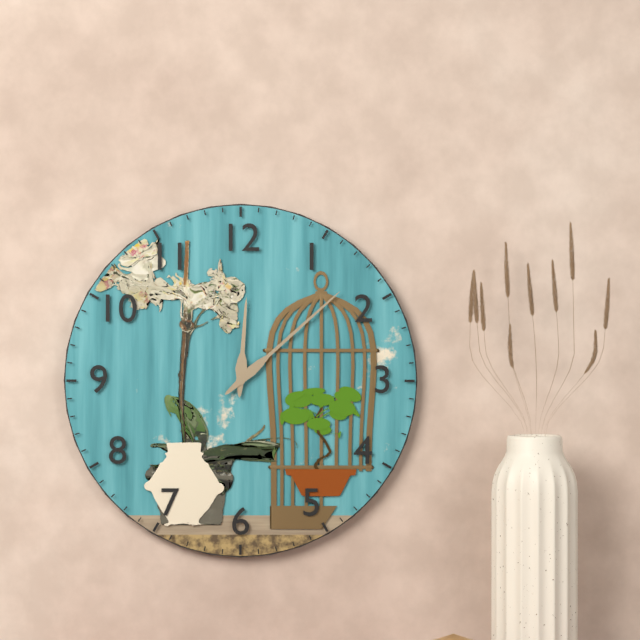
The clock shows 12.08
